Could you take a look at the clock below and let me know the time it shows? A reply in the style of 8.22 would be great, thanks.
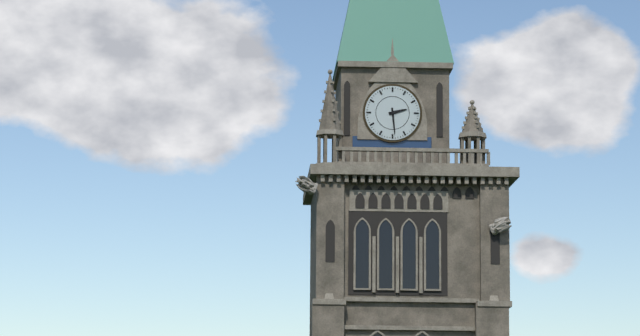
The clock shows 2.29
